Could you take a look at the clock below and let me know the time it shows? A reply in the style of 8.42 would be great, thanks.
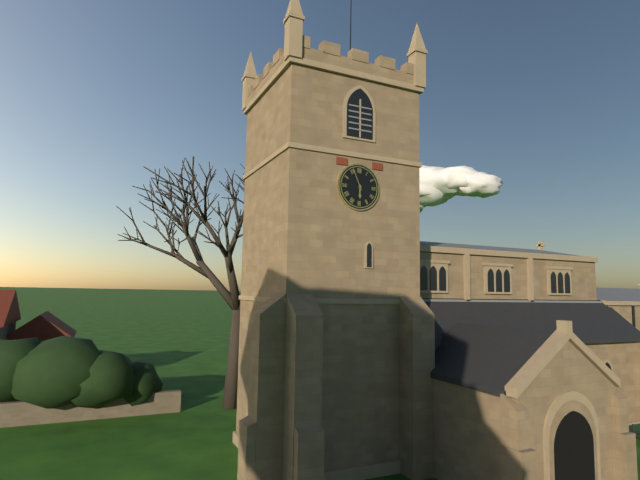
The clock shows 5.56
